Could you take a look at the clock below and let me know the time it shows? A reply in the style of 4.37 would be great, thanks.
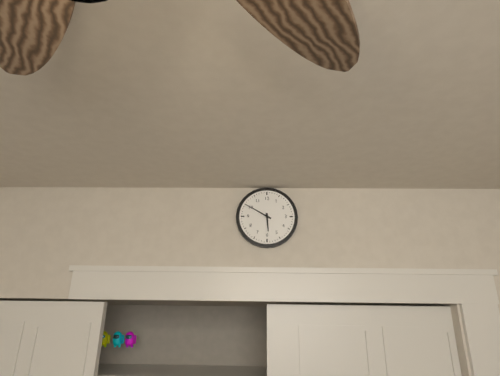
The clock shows 5.50
